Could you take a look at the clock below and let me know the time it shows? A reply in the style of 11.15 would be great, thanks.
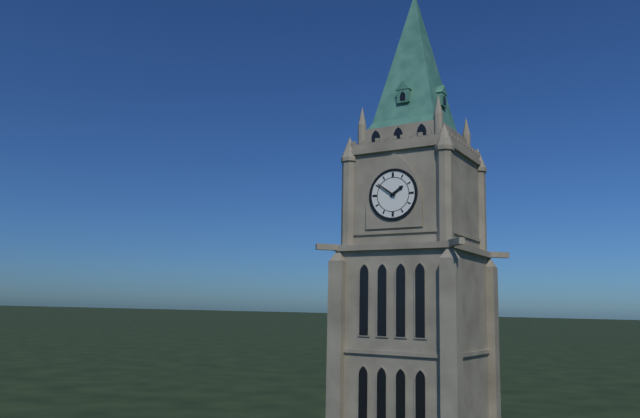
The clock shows 1.51
